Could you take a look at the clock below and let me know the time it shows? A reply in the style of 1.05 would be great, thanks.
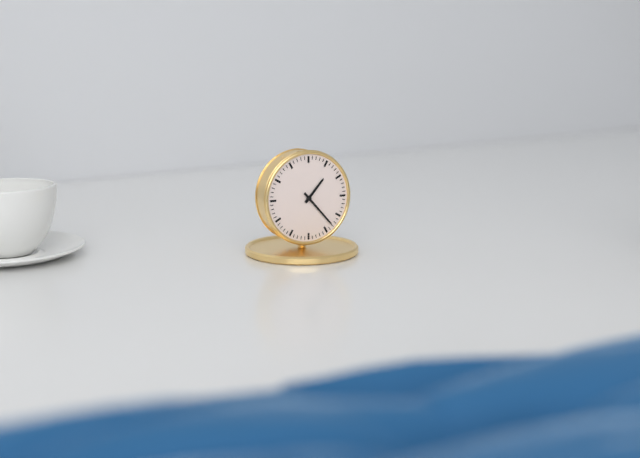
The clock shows 1.23
